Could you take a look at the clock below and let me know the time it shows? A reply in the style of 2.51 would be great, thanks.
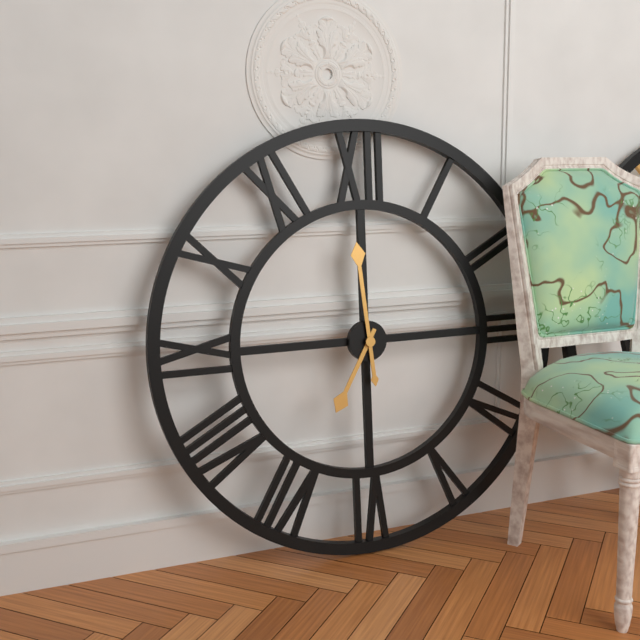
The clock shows 6.59
